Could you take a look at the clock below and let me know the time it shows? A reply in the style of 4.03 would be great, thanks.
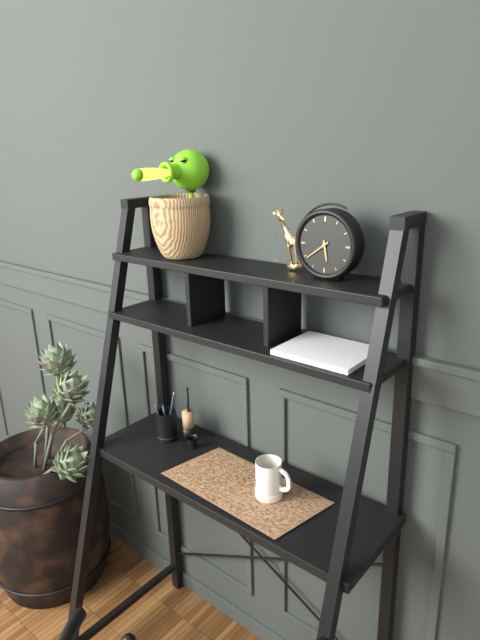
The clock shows 5.39
